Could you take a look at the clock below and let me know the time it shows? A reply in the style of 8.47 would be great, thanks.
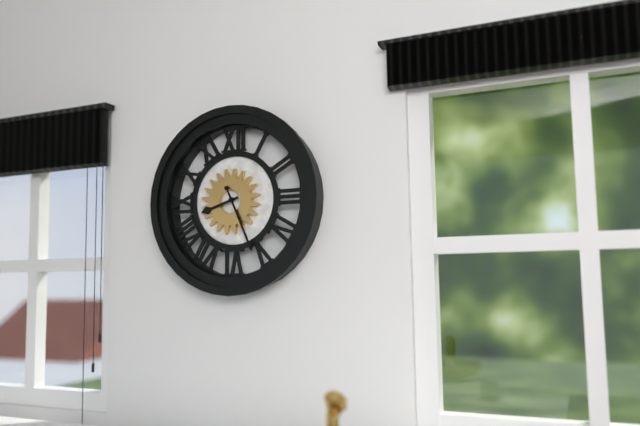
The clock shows 8.26
